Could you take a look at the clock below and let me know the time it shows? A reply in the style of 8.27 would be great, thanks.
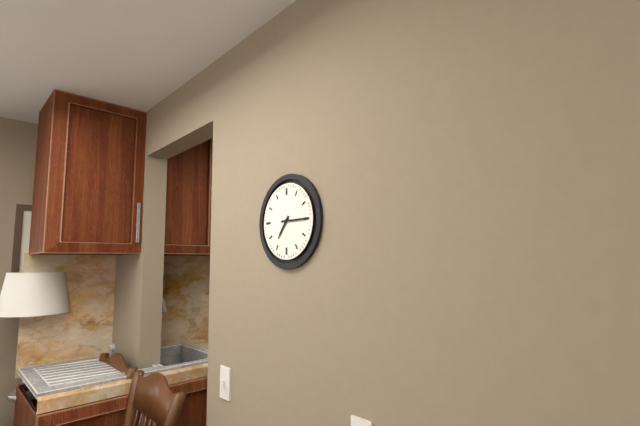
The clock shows 7.15
